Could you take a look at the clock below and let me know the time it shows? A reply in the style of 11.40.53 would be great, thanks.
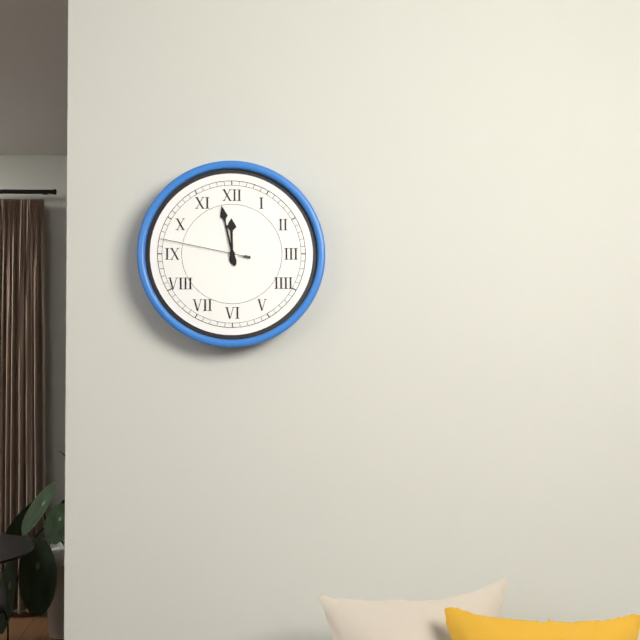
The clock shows 11.58.47
